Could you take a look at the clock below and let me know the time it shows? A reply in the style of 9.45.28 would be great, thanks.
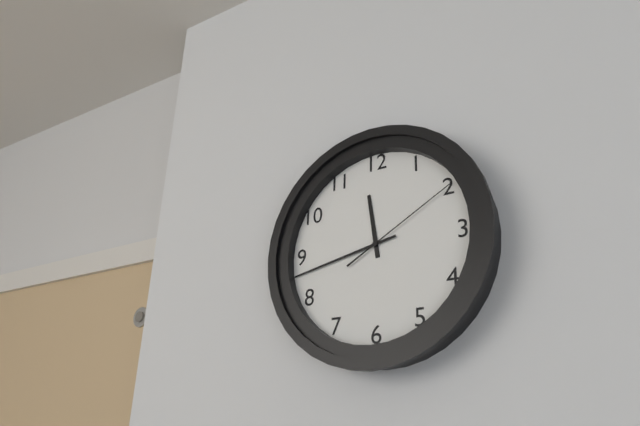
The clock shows 11.43.10
